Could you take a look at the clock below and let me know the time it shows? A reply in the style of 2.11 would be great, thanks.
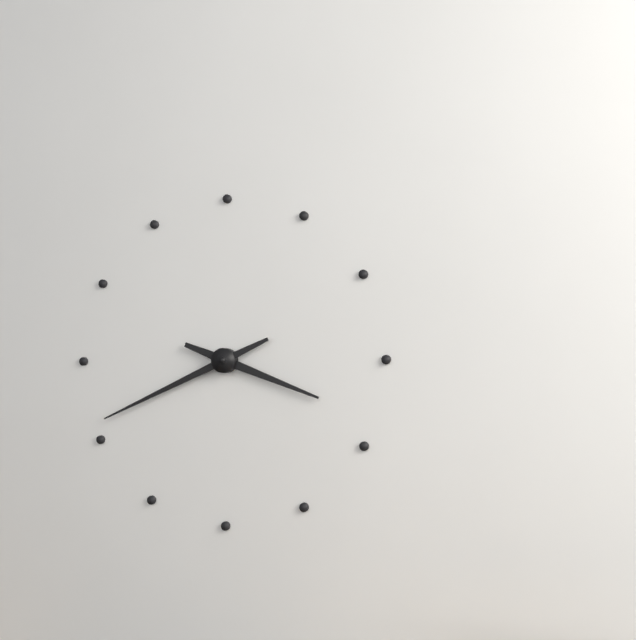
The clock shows 3.41
